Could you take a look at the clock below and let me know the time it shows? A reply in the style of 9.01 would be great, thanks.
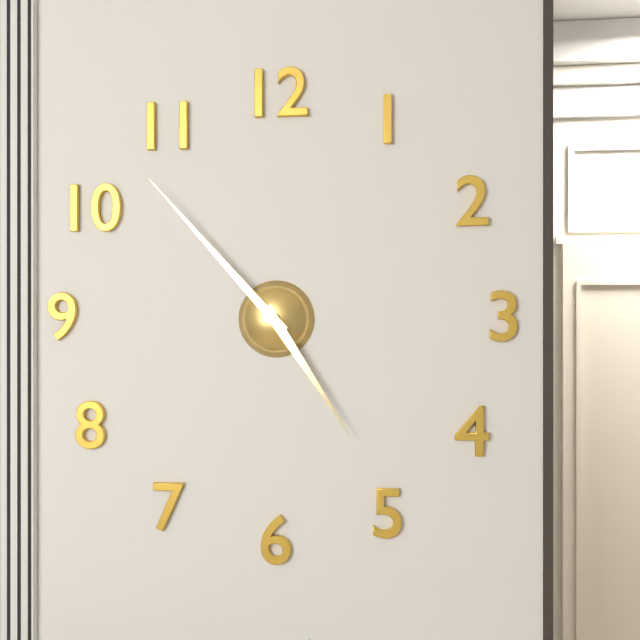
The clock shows 4.53
